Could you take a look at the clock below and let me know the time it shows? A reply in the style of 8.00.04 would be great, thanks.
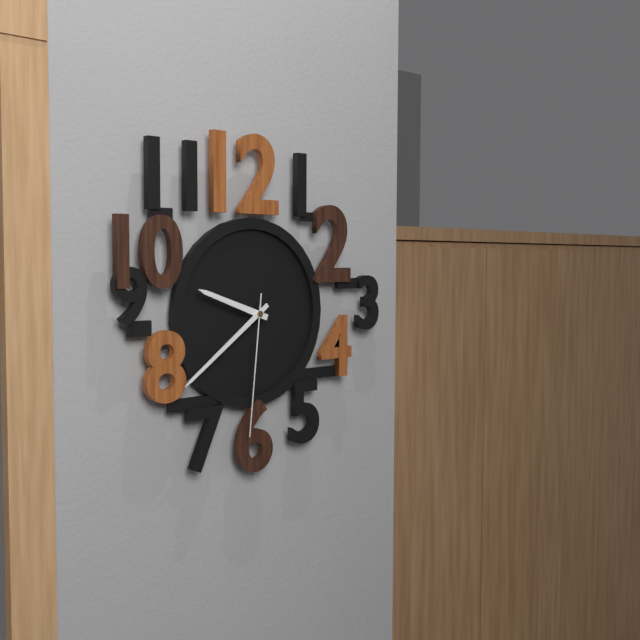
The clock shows 9.39.31
